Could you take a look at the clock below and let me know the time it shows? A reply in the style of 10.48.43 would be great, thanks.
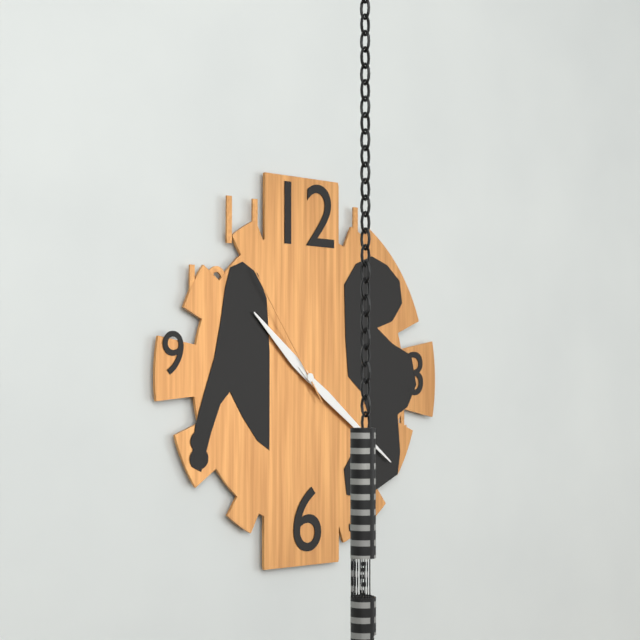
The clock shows 10.21.54
